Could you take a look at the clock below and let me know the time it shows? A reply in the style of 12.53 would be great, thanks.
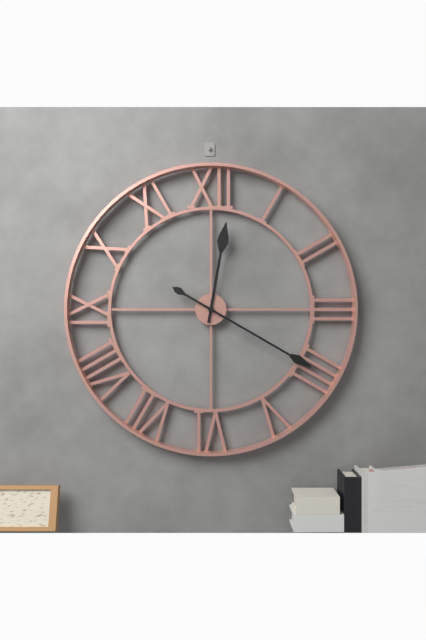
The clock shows 12.20
